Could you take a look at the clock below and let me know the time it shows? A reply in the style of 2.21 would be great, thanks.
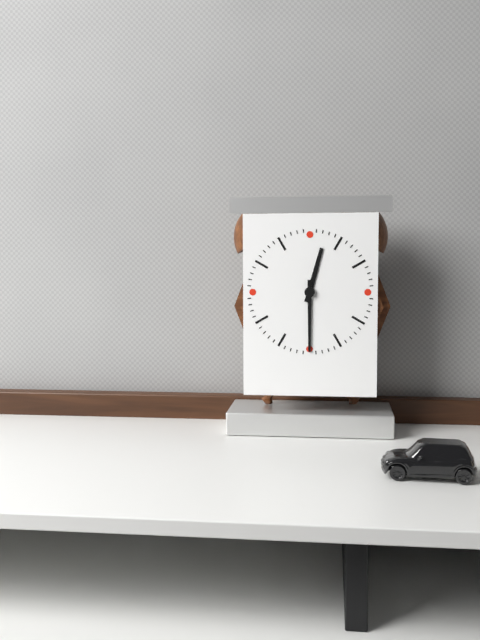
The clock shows 12.30
